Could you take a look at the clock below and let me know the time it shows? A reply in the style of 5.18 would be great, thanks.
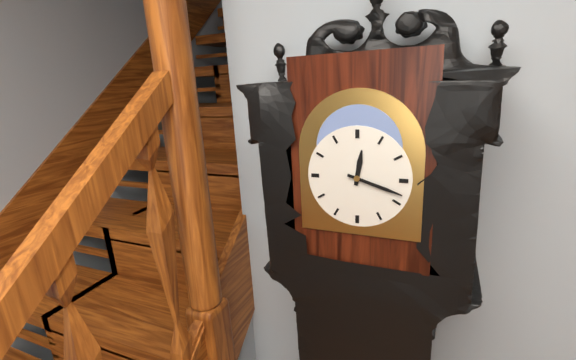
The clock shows 12.18
